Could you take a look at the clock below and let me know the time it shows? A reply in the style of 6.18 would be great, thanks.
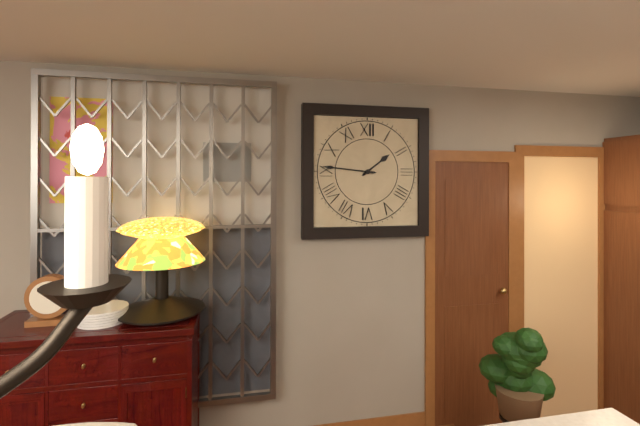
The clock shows 1.46
